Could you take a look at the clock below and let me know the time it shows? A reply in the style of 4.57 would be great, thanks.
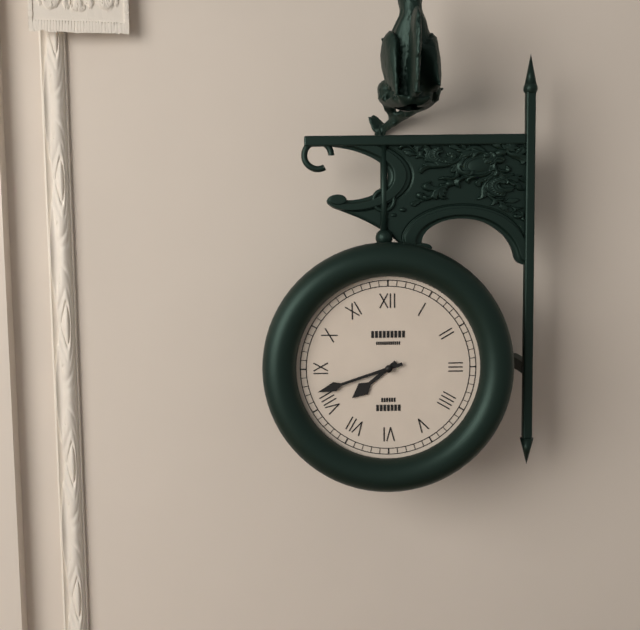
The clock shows 7.42
